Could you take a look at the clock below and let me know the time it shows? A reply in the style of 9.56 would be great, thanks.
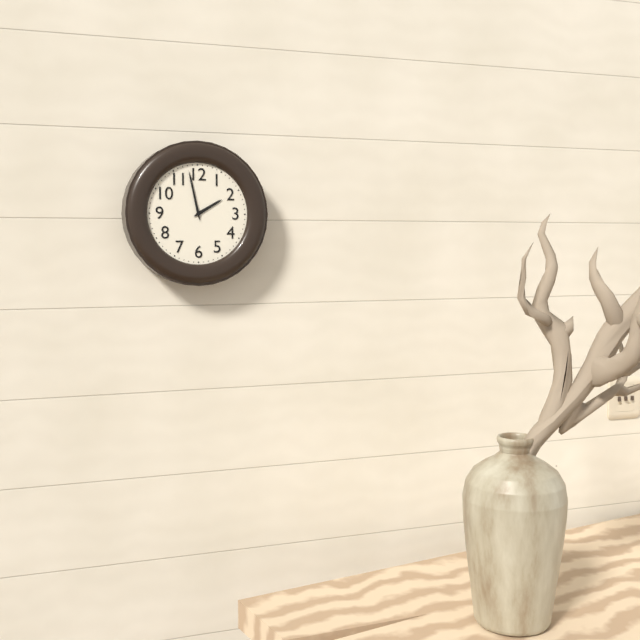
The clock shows 1.58
